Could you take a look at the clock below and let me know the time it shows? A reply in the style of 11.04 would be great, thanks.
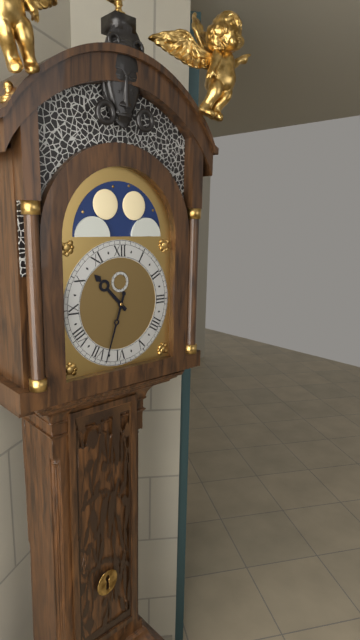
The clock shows 10.33
